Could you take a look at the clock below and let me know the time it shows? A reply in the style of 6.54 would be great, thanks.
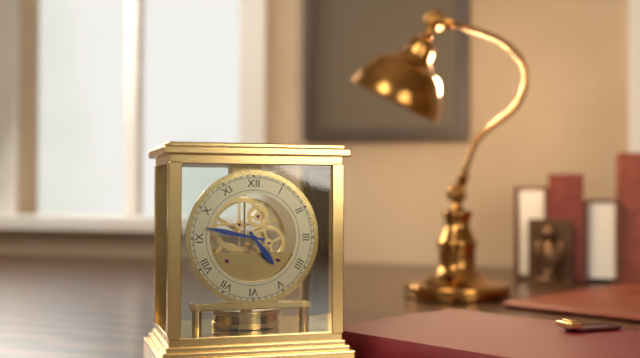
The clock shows 4.47
